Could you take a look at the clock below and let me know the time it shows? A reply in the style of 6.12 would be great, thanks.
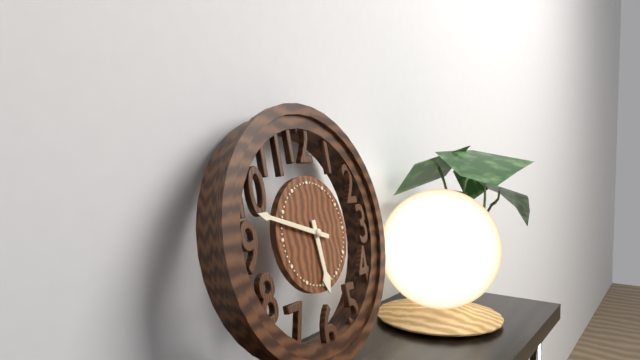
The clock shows 5.48
